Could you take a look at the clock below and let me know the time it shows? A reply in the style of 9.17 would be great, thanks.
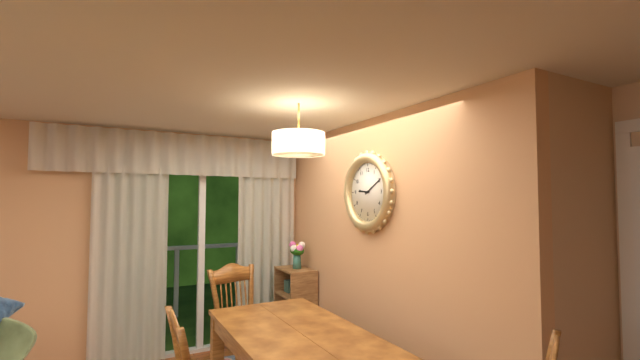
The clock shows 9.10
